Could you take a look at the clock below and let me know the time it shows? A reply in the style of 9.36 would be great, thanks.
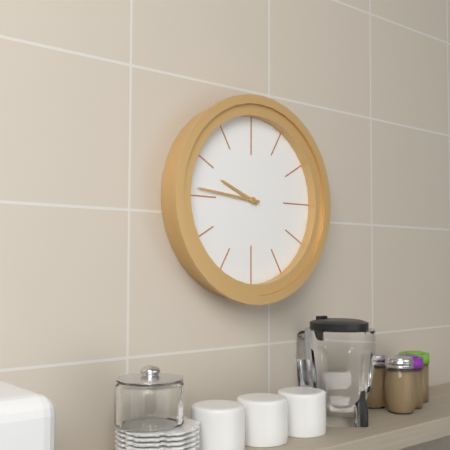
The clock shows 9.46
